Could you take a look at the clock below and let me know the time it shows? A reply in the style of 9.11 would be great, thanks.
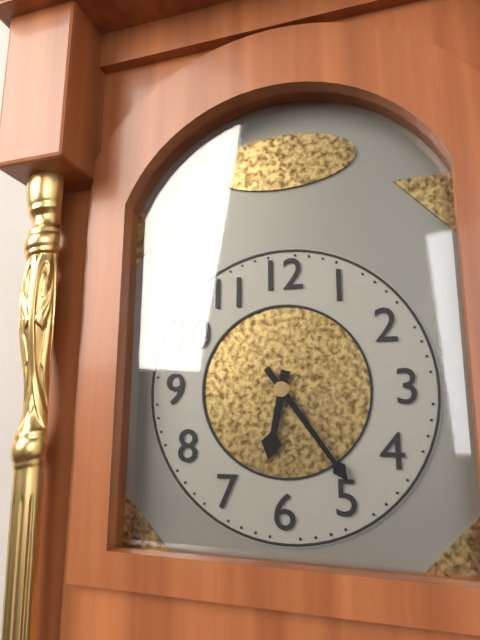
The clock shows 6.24
